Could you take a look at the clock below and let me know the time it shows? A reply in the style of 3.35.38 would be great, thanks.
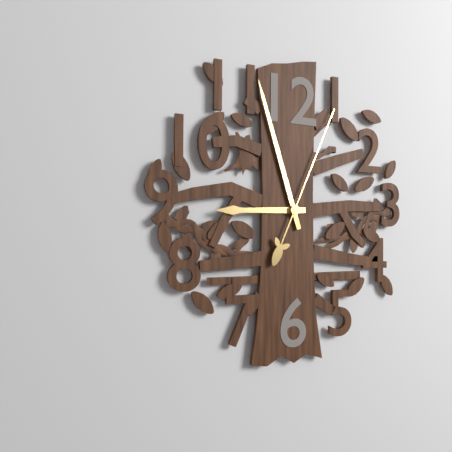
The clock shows 8.57.04
